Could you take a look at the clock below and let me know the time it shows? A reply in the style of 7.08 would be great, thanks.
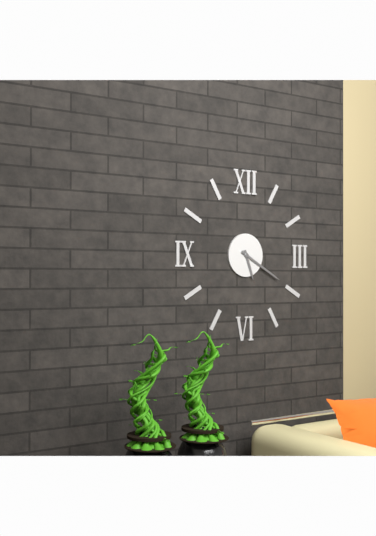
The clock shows 5.20
